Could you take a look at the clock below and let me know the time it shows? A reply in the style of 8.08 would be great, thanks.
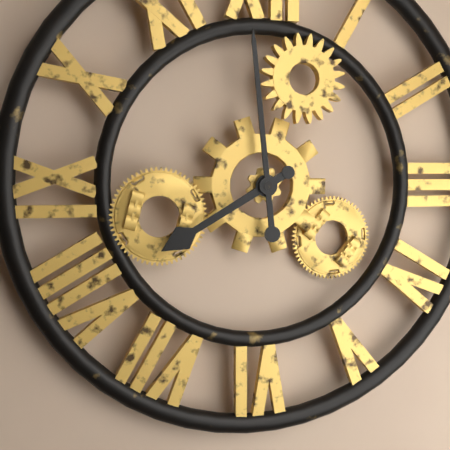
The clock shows 7.59
